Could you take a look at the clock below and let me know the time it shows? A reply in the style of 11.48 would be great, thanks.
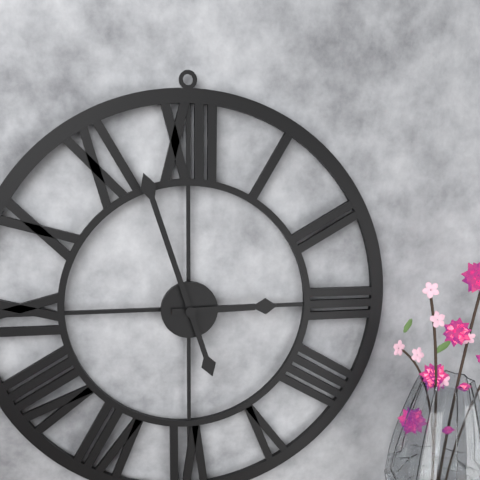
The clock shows 2.57
